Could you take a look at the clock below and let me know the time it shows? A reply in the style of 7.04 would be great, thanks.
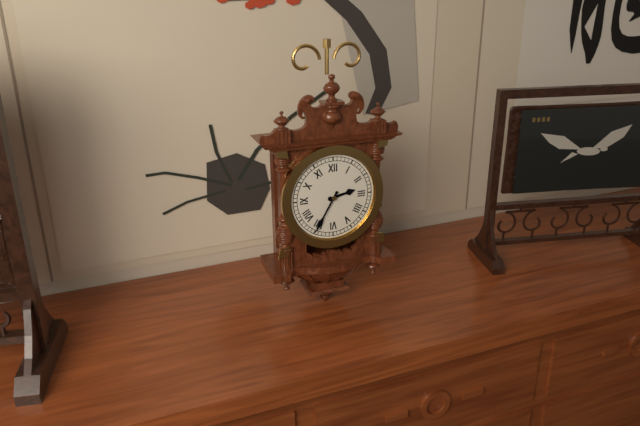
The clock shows 2.35
